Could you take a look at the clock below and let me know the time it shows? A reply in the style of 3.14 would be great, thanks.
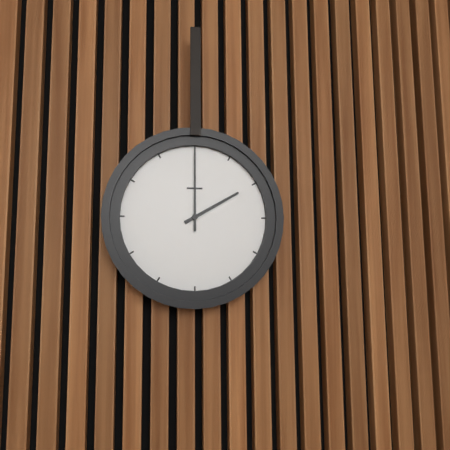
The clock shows 2.00
